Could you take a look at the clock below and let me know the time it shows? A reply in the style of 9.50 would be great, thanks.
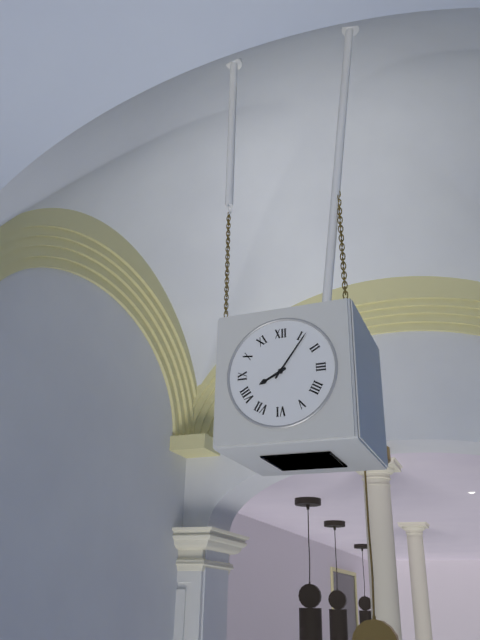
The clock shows 8.06
